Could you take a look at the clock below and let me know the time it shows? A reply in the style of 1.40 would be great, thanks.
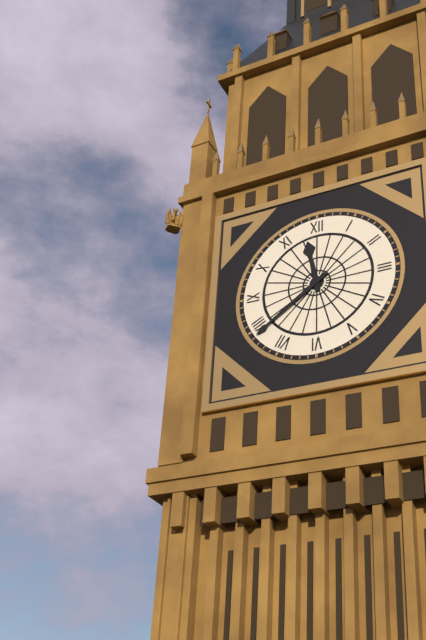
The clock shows 11.39
